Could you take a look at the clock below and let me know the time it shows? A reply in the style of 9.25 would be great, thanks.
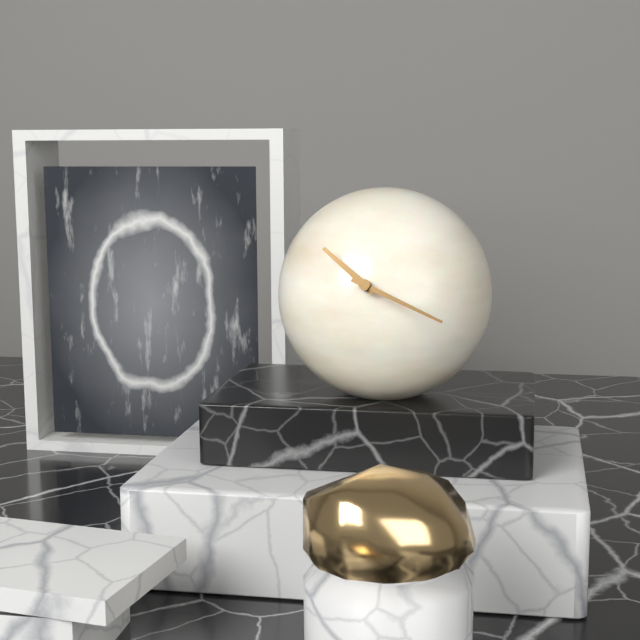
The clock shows 10.19
